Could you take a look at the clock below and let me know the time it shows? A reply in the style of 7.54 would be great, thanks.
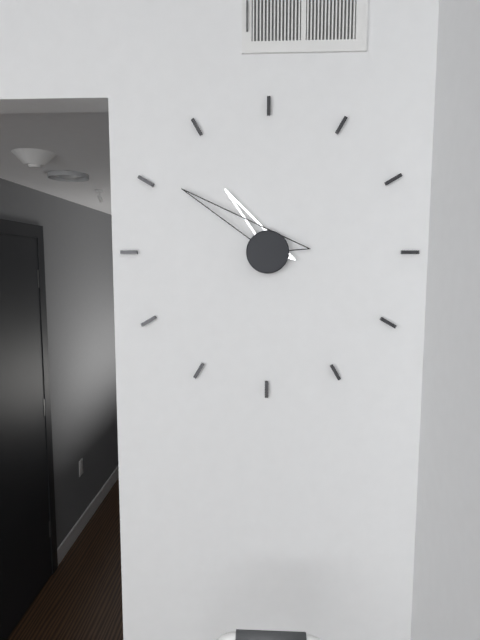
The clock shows 10.51
